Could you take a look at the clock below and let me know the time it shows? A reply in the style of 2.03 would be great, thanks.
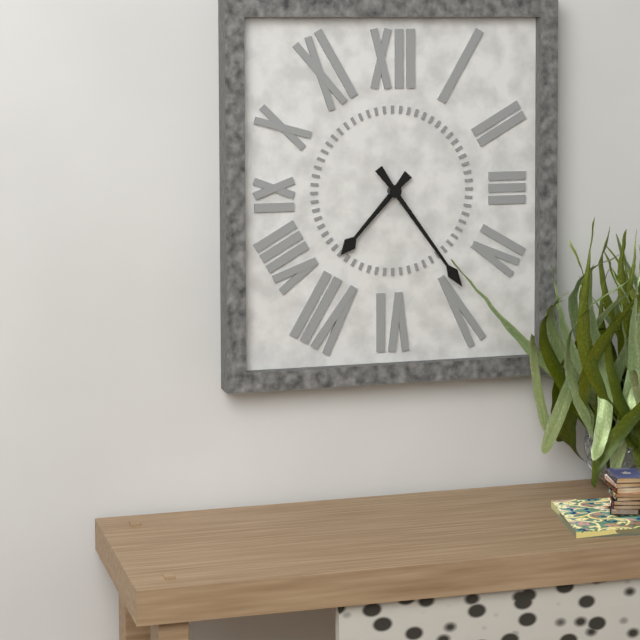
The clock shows 7.24
